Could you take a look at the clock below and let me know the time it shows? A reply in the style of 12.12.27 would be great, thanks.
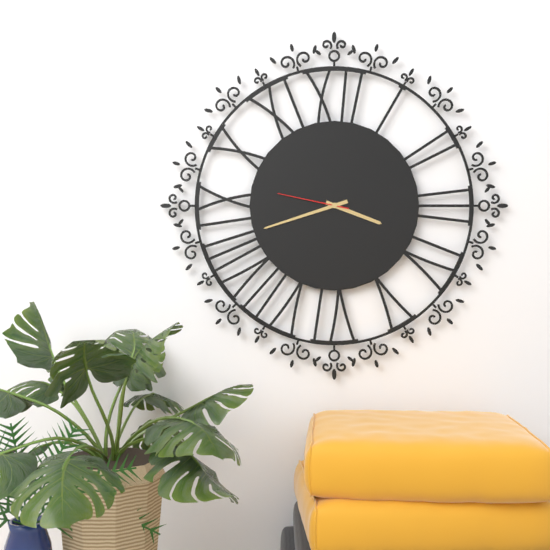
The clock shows 3.42.47
